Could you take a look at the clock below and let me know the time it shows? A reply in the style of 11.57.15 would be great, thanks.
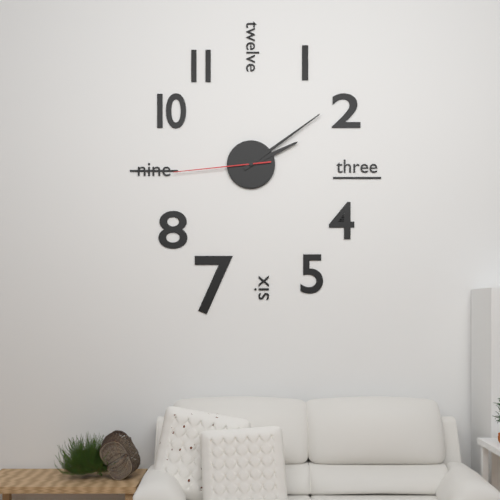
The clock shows 2.09.44
